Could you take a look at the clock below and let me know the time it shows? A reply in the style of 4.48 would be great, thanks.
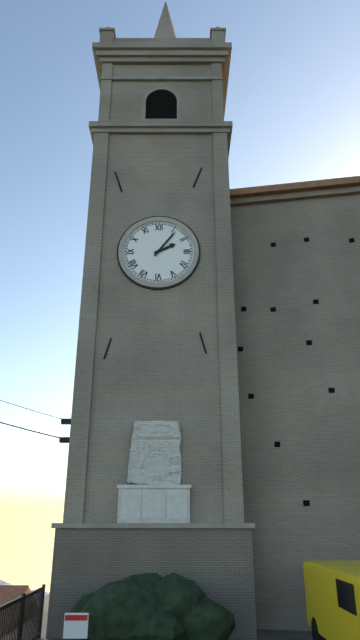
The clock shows 2.06
